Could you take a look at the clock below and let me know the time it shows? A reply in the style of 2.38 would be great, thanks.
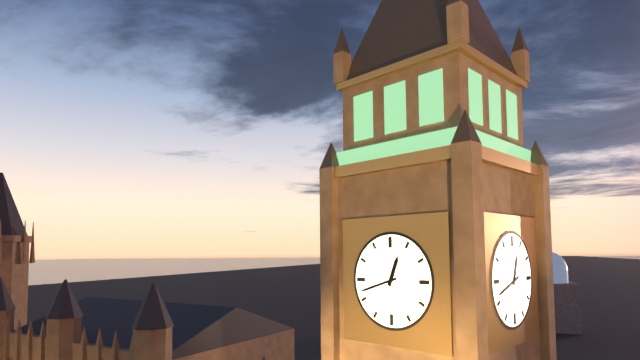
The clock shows 12.42
